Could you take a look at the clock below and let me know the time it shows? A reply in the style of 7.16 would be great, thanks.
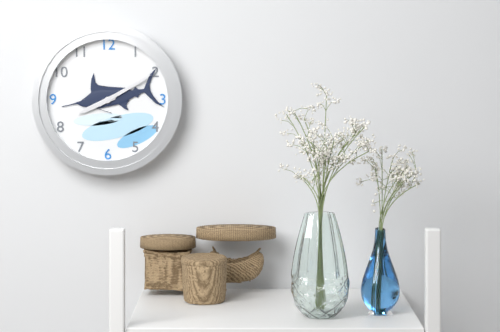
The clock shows 8.10
